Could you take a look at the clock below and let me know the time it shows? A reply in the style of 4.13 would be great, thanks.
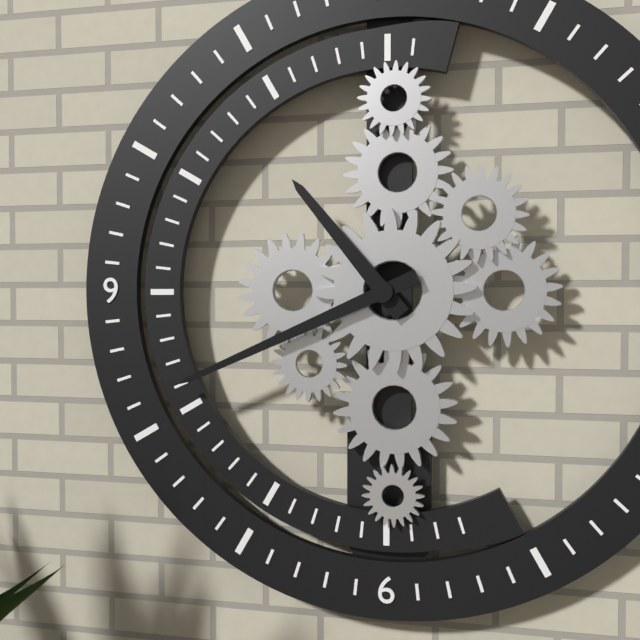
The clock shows 10.41
